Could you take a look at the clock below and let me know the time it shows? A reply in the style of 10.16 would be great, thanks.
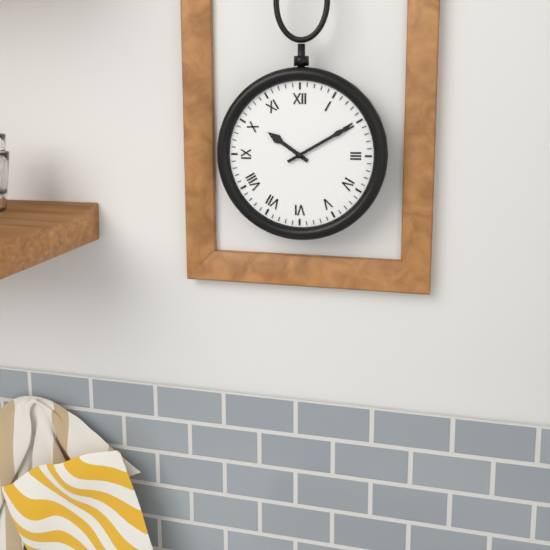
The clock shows 10.10
